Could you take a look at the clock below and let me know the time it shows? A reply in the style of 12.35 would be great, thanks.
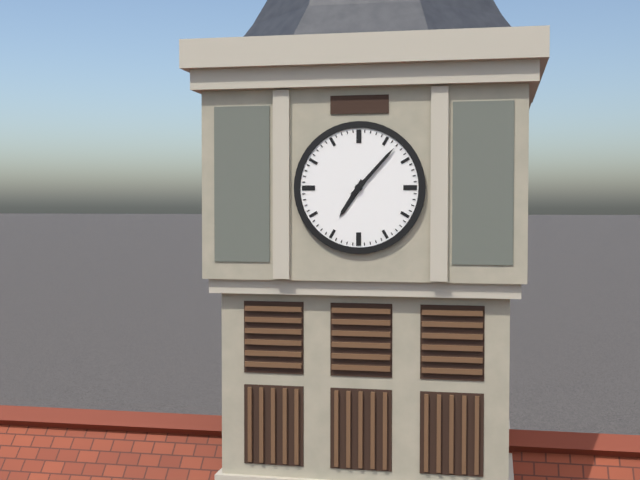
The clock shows 7.07
